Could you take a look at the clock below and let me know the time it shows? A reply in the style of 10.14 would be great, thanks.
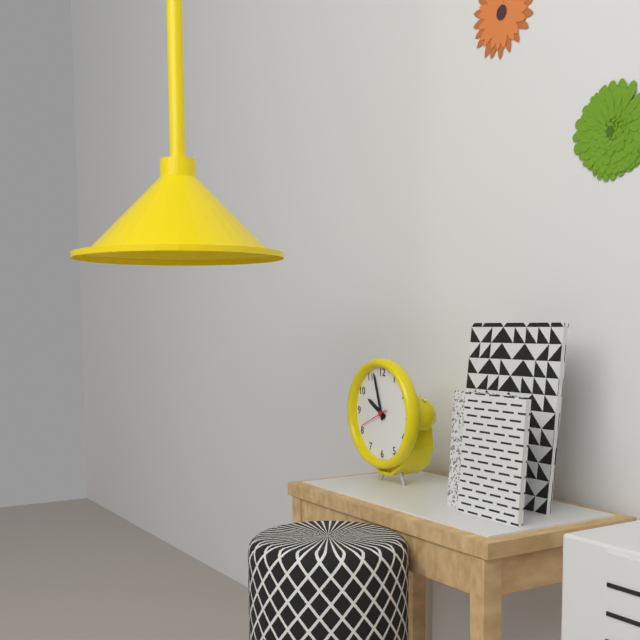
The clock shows 9.57
